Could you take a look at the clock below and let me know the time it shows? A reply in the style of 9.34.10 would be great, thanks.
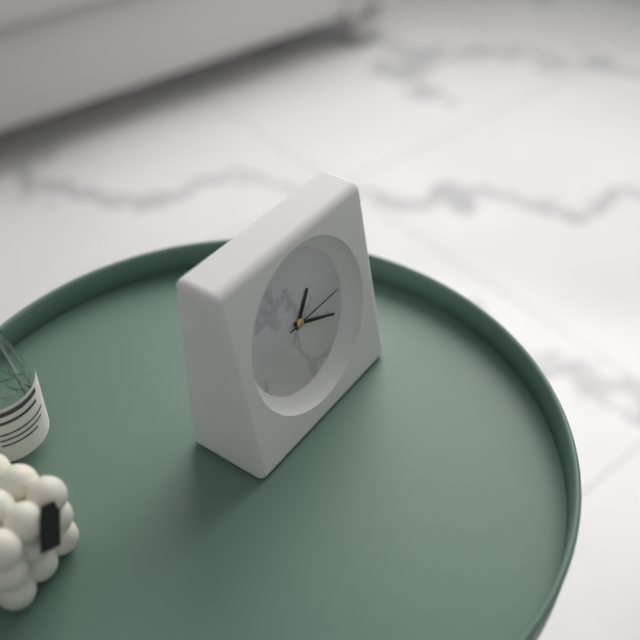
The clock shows 1.19.15
